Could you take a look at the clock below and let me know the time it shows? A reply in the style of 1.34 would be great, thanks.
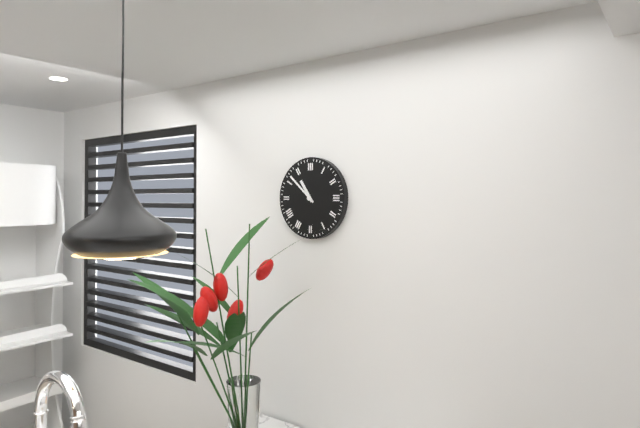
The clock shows 10.52
